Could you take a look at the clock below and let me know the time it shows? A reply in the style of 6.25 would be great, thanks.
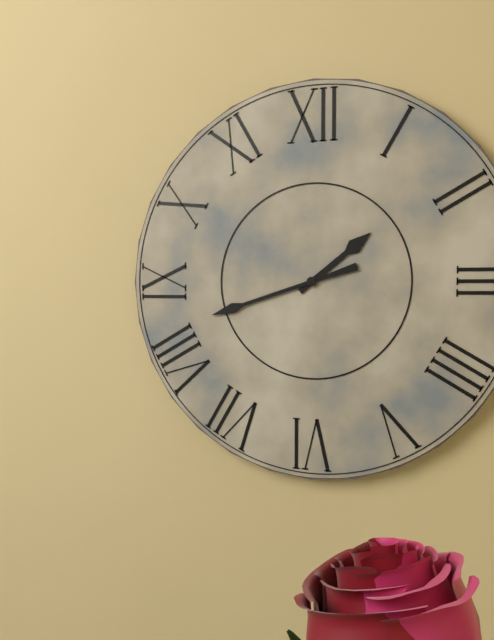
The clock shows 1.42
